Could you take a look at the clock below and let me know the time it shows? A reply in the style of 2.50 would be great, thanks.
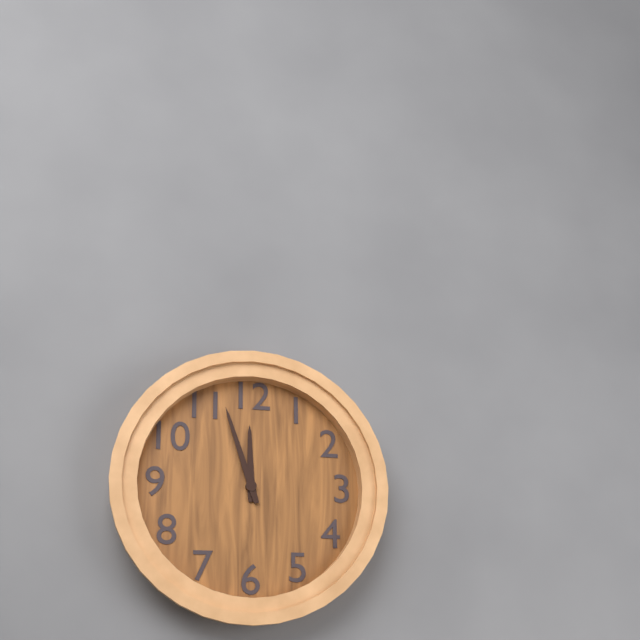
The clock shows 11.57
